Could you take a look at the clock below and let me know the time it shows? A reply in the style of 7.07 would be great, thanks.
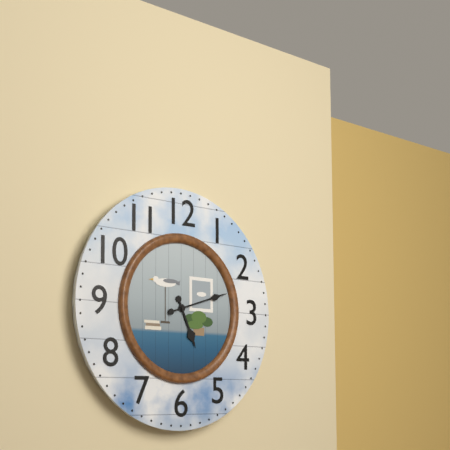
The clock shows 5.12
